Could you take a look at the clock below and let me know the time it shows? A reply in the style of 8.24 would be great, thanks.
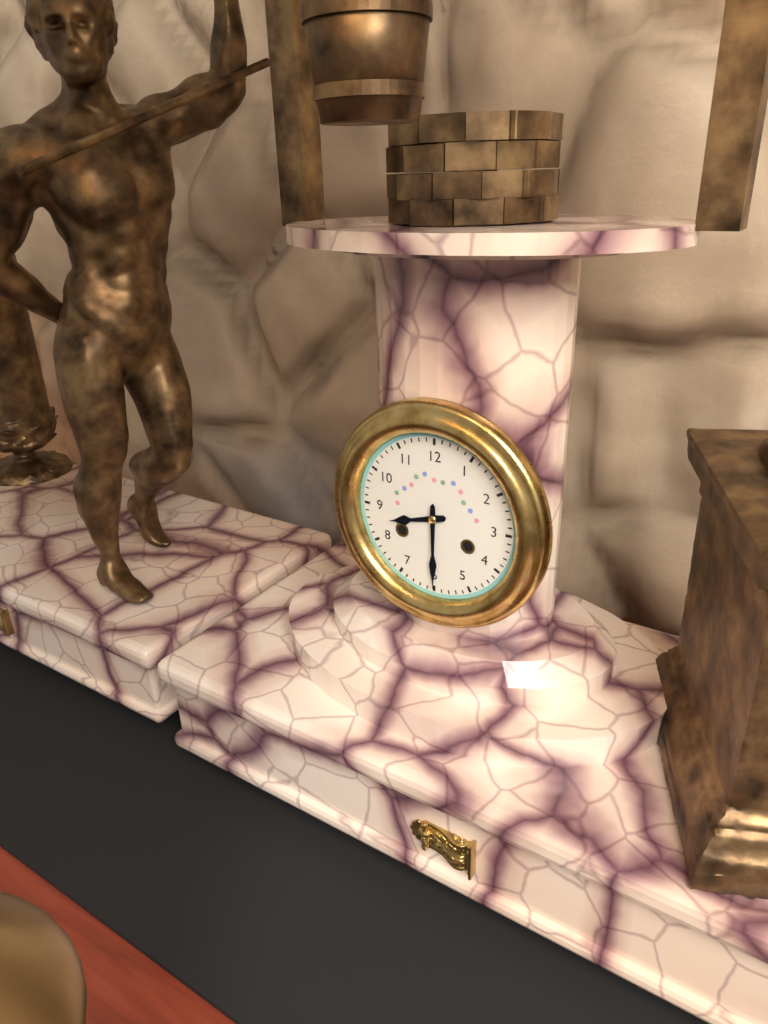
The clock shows 8.30
